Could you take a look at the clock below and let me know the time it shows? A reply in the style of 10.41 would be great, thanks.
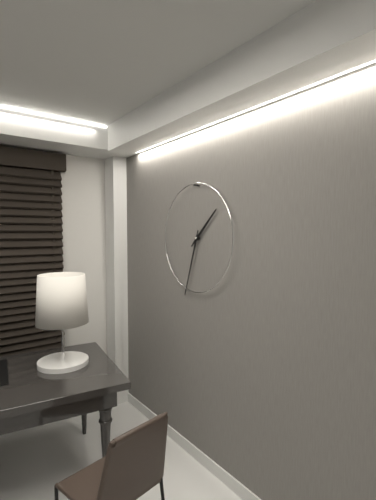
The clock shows 1.33
